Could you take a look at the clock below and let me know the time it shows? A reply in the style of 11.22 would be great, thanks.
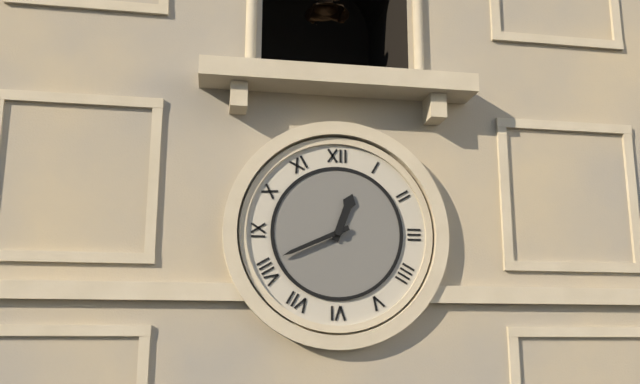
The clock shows 12.41
